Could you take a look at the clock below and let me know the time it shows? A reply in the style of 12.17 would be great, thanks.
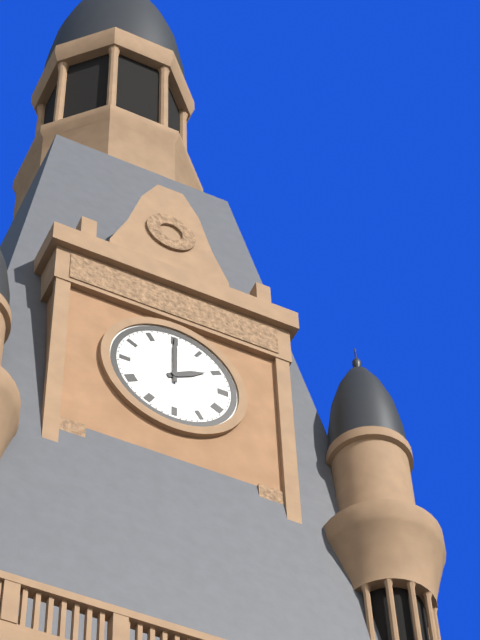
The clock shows 2.00
